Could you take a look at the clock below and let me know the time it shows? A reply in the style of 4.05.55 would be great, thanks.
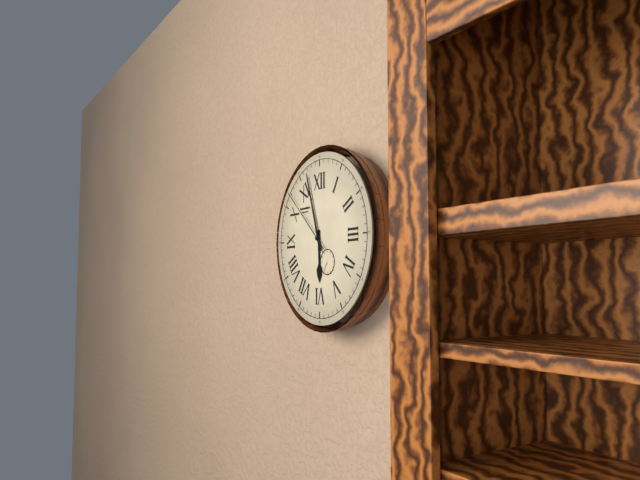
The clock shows 5.57.52
